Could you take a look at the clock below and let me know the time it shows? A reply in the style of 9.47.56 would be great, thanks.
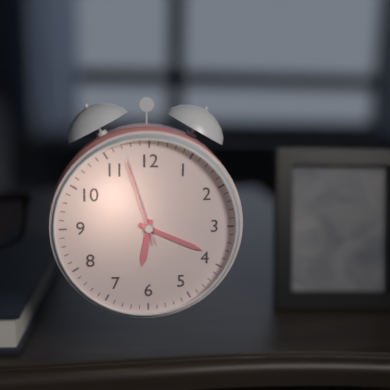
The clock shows 6.19.57
